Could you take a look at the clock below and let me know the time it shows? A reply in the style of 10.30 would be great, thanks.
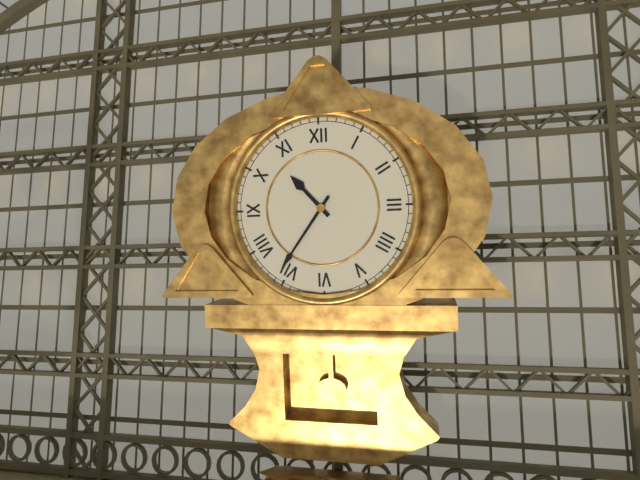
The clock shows 10.36
